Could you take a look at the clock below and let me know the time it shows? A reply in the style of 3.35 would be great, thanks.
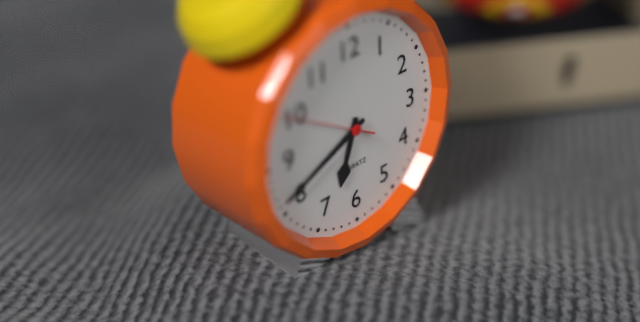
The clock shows 6.41
